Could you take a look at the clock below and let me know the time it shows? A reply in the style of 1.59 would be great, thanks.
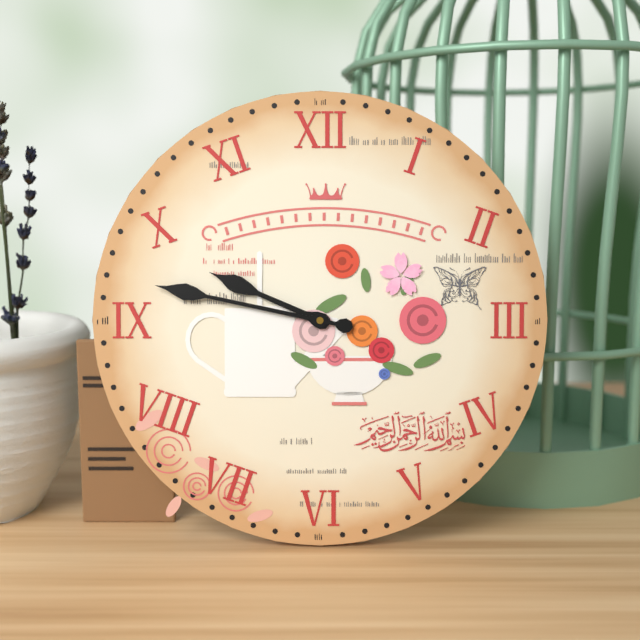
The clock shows 9.47
